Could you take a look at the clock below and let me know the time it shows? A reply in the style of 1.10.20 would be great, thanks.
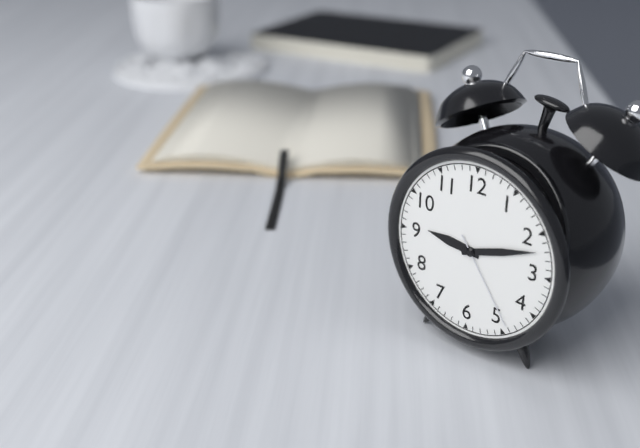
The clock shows 9.12.24
